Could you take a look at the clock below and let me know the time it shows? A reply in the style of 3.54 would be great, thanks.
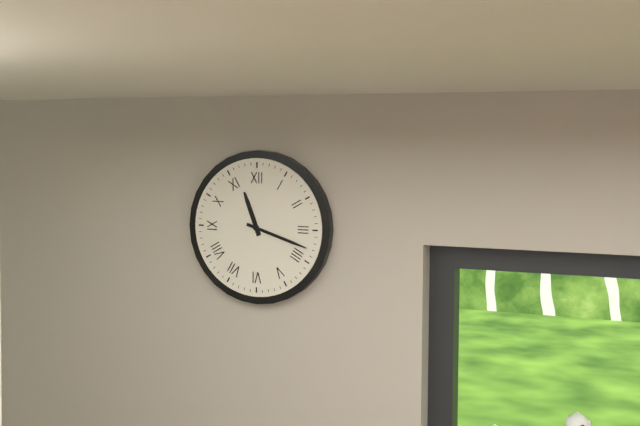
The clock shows 11.18
